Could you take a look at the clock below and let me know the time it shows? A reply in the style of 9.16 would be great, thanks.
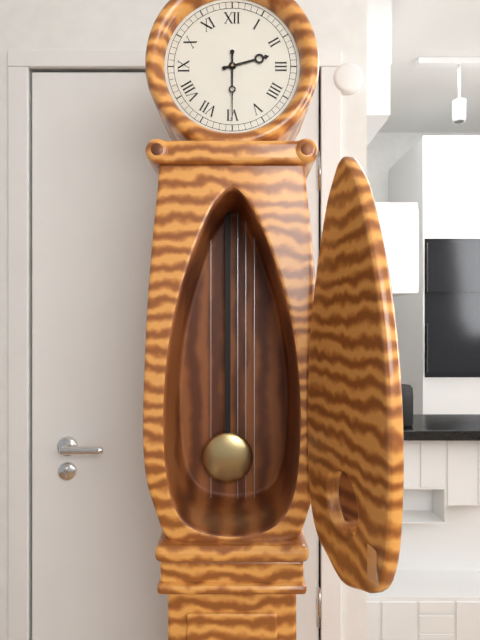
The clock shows 2.30
